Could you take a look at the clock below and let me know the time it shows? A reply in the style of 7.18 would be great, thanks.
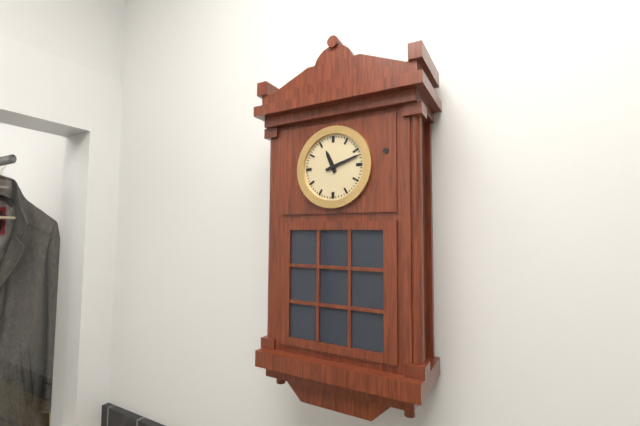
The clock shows 11.12
